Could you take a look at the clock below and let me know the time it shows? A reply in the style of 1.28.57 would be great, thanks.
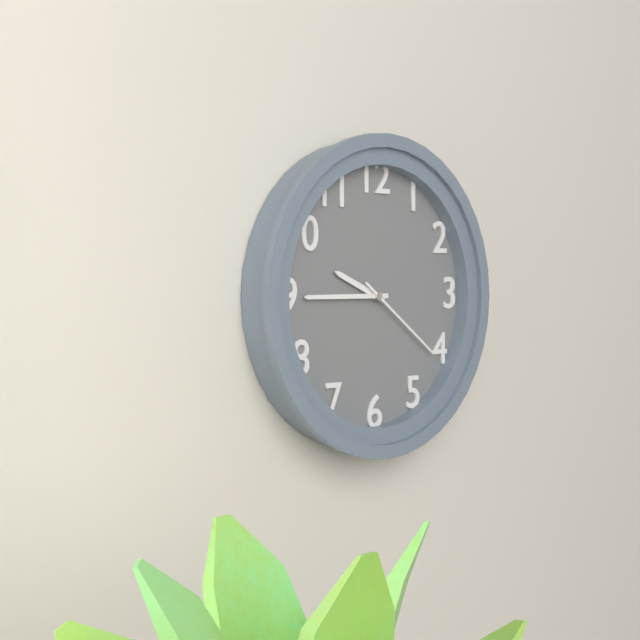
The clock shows 9.45.21
